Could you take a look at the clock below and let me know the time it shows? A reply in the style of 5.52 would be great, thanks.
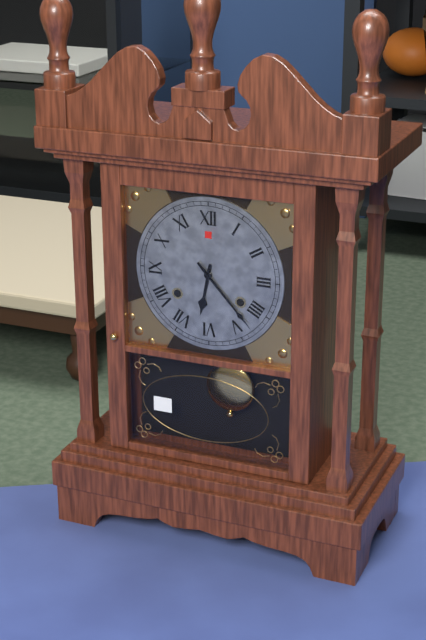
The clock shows 6.23
